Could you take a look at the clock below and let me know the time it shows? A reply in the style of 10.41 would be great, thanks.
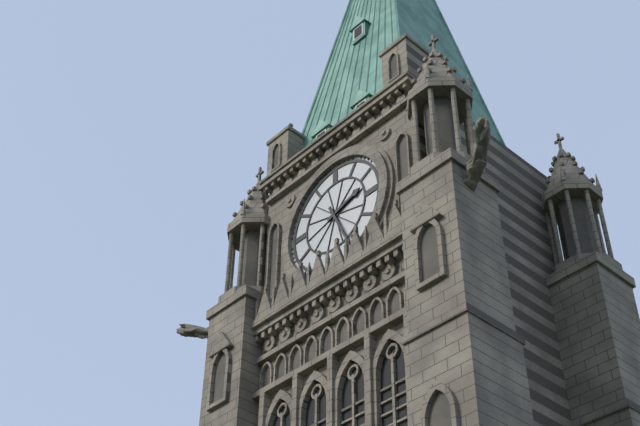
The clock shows 2.26
